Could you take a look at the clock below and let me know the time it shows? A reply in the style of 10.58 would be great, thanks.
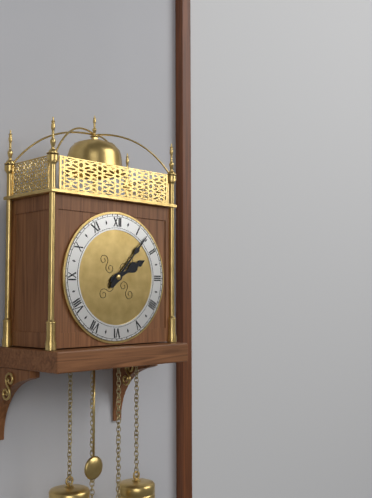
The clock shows 2.07
